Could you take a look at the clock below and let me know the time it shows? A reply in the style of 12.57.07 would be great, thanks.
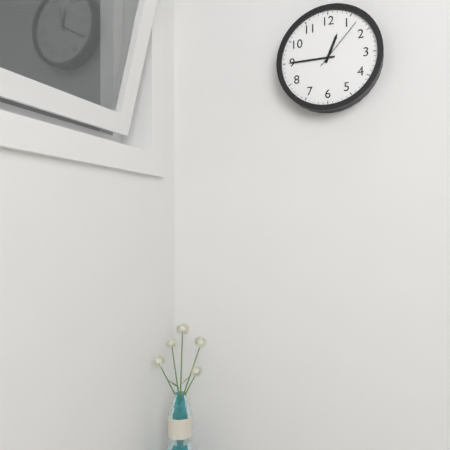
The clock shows 12.45.07
